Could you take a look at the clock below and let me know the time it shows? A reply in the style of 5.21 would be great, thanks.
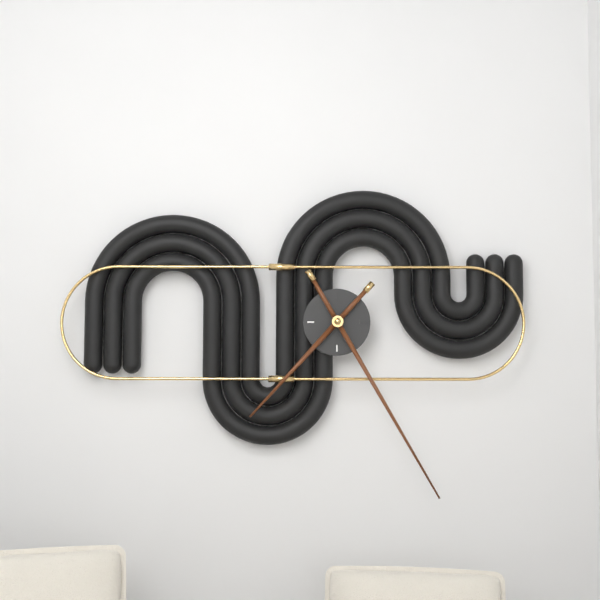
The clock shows 7.25
